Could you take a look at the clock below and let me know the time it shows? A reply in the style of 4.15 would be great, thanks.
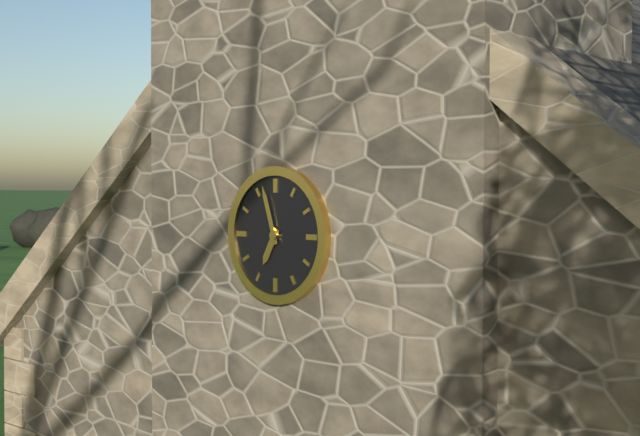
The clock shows 6.57
